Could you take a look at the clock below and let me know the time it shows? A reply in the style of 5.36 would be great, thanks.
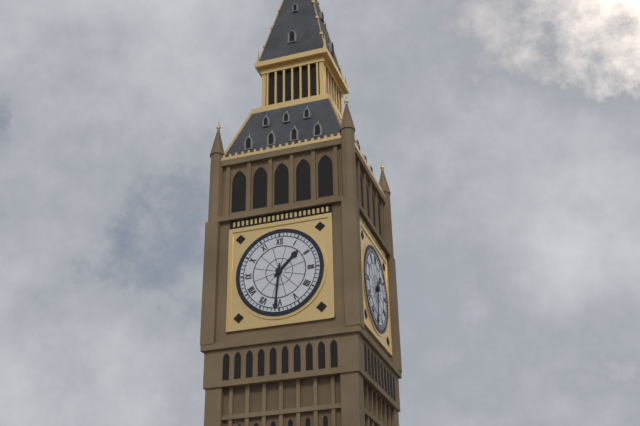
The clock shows 1.31
